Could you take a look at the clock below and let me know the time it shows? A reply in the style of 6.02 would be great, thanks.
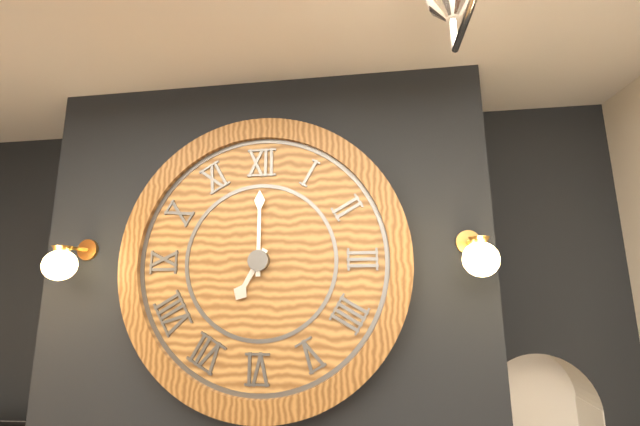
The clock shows 7.00
